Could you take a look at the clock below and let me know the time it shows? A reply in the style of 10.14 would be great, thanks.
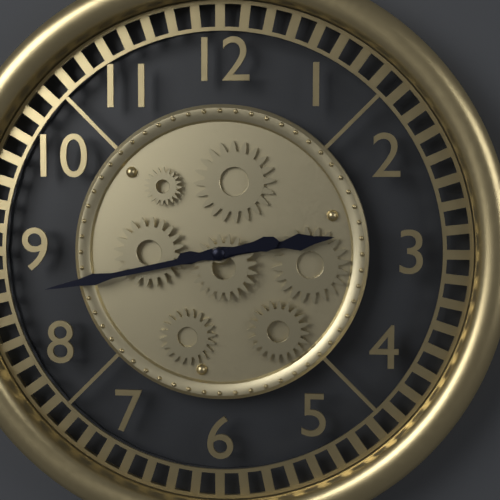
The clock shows 2.43
